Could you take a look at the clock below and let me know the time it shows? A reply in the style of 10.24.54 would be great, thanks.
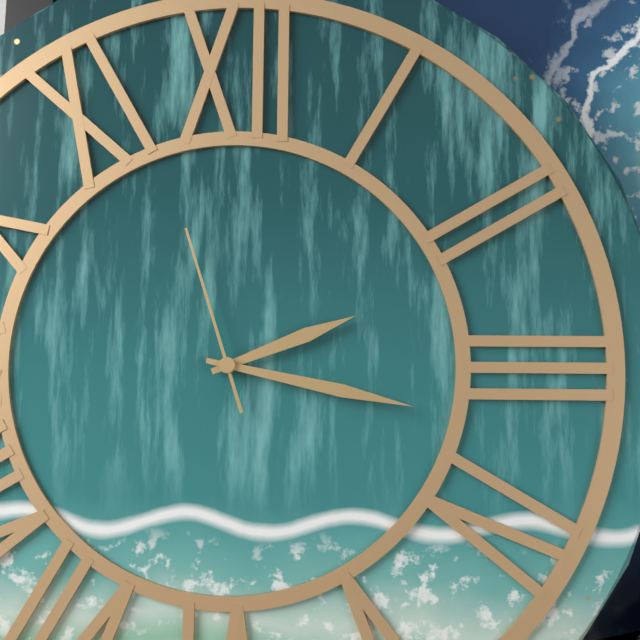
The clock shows 2.17.57
